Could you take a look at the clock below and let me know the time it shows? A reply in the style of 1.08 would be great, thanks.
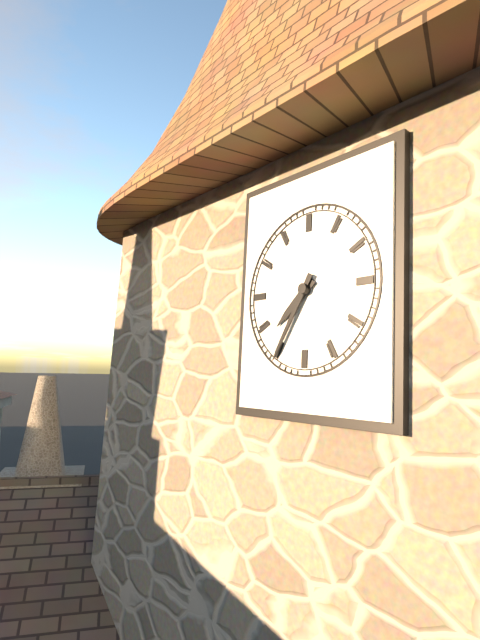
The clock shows 7.35
